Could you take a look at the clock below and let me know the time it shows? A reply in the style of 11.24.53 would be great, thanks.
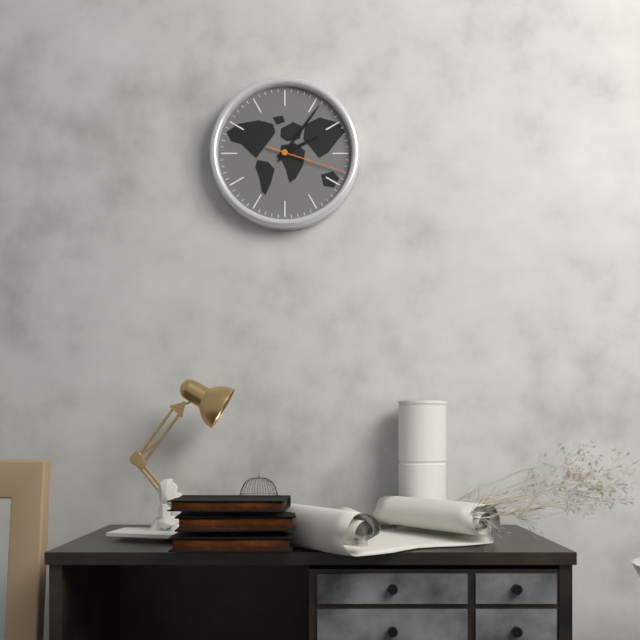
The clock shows 2.06.18
